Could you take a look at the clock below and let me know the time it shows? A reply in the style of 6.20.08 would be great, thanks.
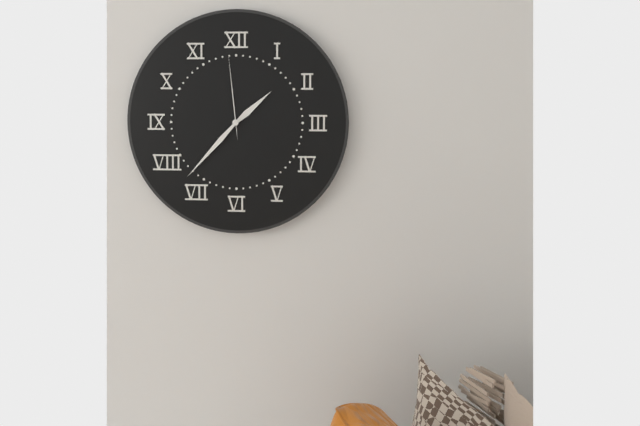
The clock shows 1.37.59
